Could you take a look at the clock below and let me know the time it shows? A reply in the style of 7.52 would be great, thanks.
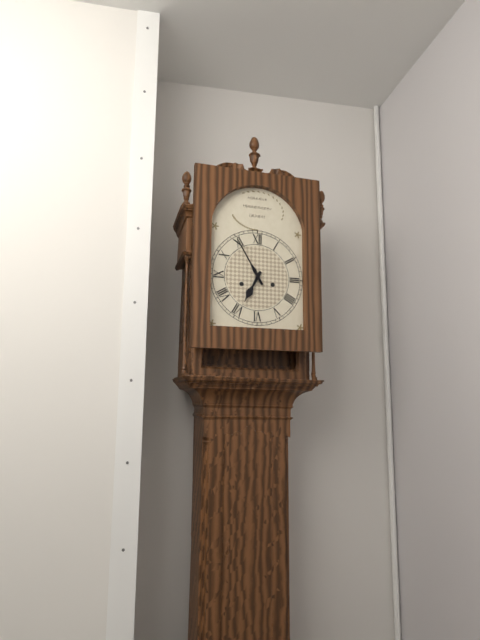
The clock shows 6.55
